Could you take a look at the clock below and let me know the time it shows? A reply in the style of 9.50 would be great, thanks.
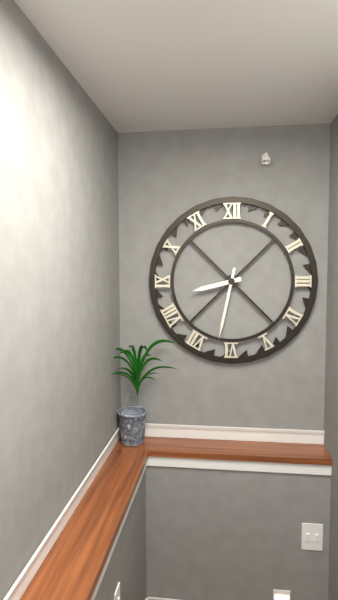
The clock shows 8.32
